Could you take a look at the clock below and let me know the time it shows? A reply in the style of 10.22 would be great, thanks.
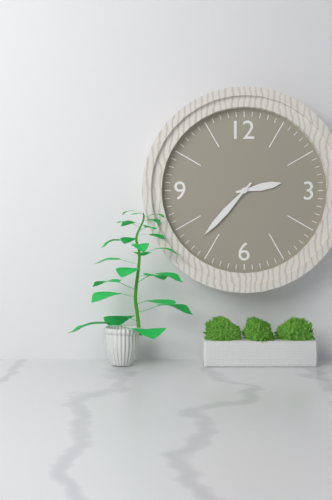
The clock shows 2.37
